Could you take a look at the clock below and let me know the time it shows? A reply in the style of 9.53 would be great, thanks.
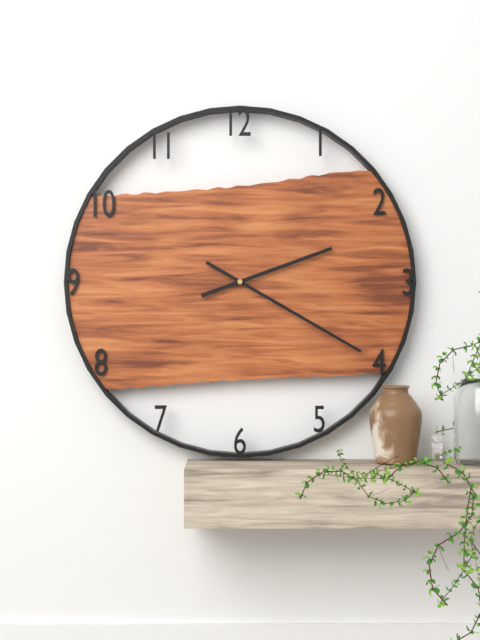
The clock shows 2.20
